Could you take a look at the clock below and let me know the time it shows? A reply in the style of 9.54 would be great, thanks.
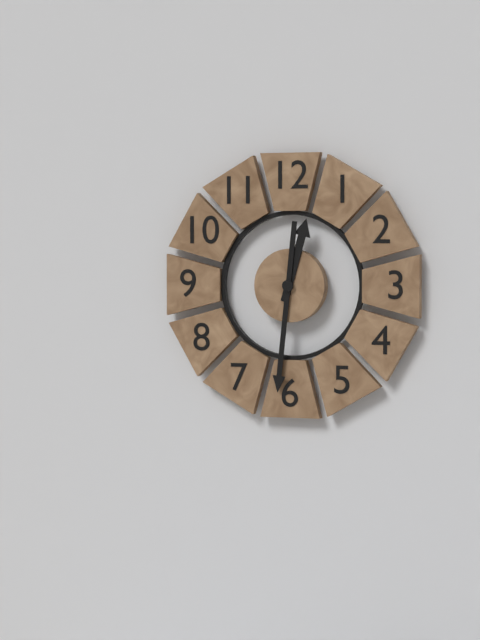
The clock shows 12.31
